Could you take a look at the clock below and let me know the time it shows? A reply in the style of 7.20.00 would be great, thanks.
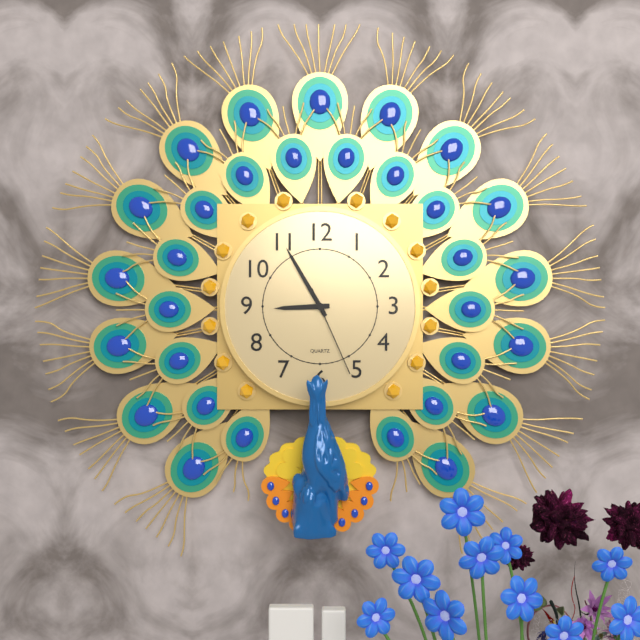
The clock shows 8.55.26
